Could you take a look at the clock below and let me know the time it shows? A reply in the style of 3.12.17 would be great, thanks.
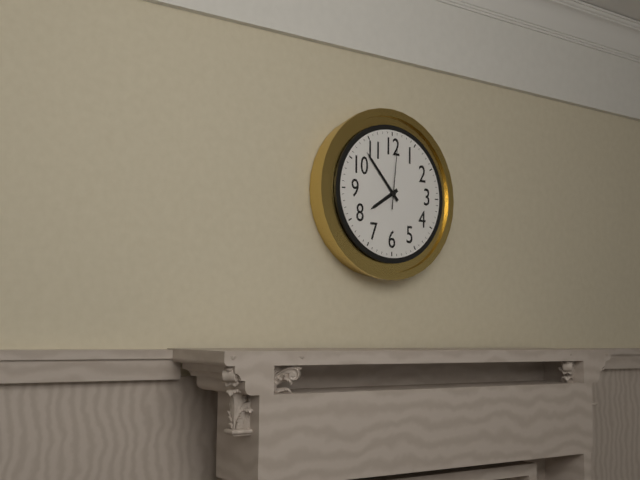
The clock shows 7.53.01
